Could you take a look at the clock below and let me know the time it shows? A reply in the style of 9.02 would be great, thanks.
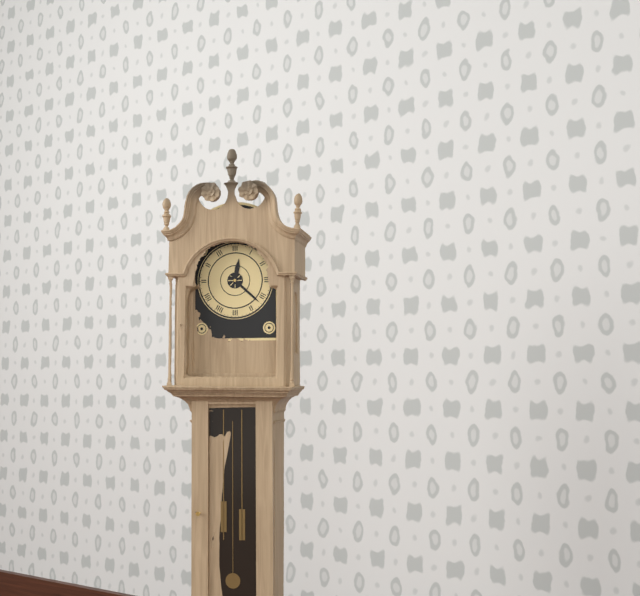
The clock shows 12.22
